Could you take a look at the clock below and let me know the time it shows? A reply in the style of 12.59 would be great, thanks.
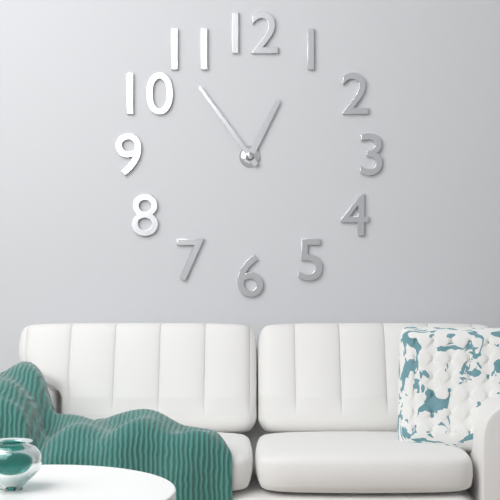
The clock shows 12.54
